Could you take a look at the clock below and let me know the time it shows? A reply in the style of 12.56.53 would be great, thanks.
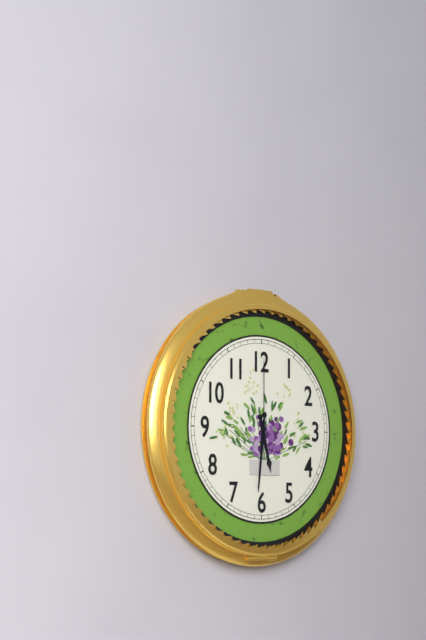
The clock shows 5.31.00
